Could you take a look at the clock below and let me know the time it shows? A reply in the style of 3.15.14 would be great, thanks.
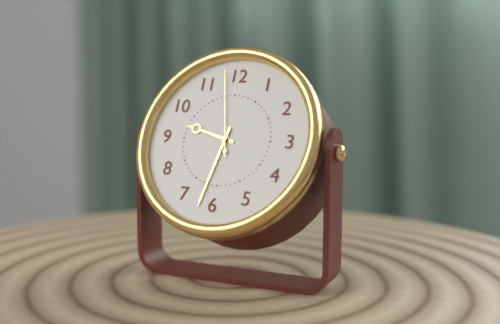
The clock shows 9.32.58
